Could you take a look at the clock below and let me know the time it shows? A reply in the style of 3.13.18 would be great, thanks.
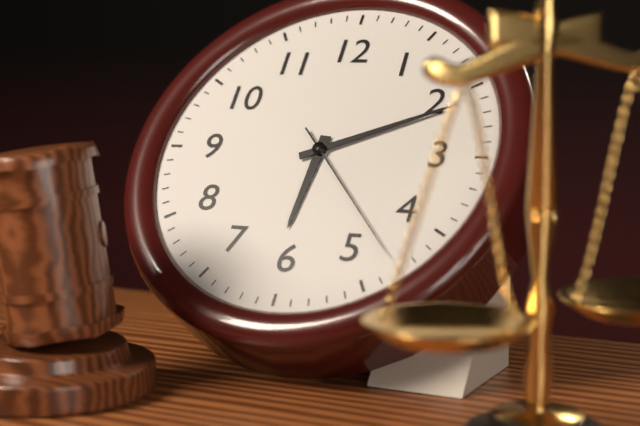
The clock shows 6.11.23
